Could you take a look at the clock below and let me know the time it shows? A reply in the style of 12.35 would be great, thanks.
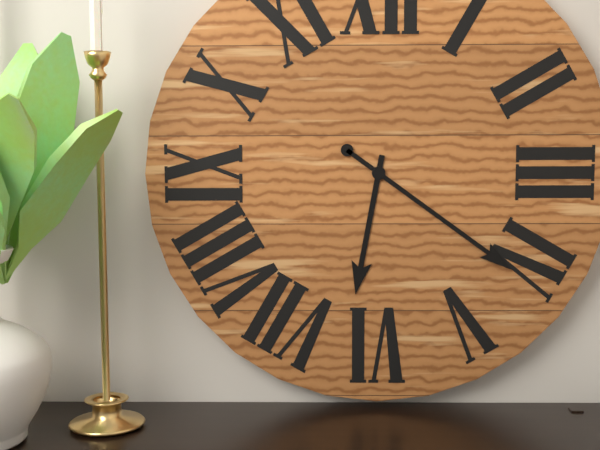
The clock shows 6.21
